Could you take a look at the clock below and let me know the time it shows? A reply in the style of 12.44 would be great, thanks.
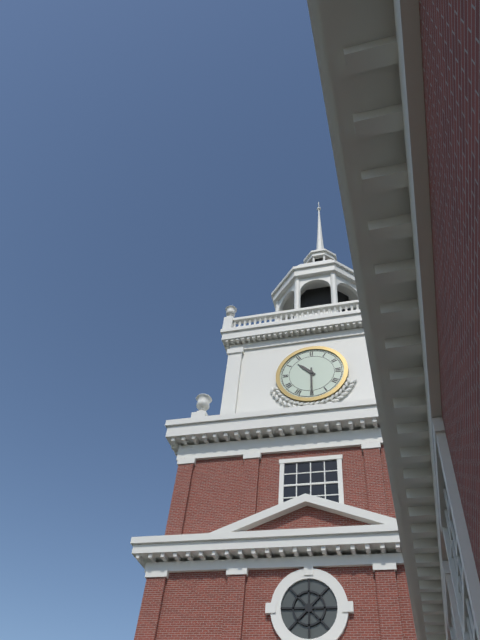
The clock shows 10.30
